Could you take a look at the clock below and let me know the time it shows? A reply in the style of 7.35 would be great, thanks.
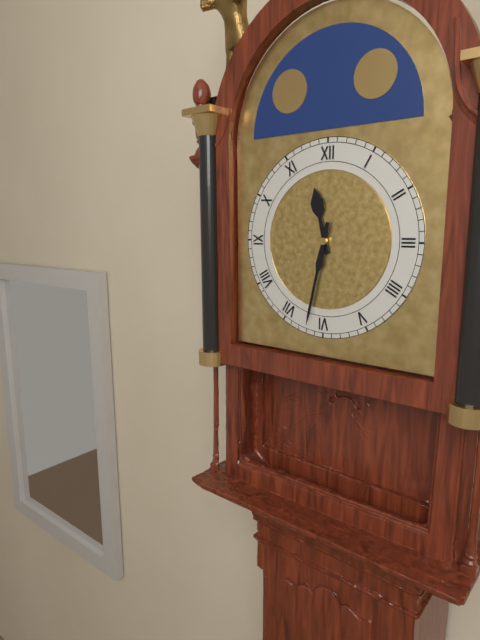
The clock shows 11.32
